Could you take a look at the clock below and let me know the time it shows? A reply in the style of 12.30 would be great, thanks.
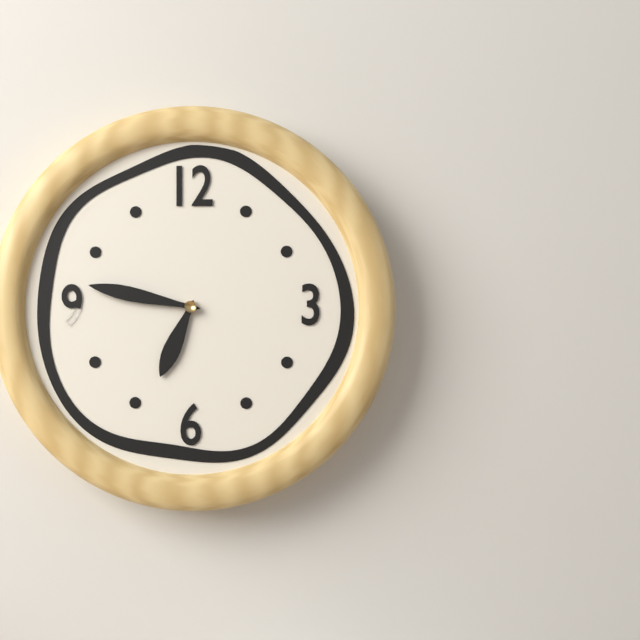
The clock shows 6.47
